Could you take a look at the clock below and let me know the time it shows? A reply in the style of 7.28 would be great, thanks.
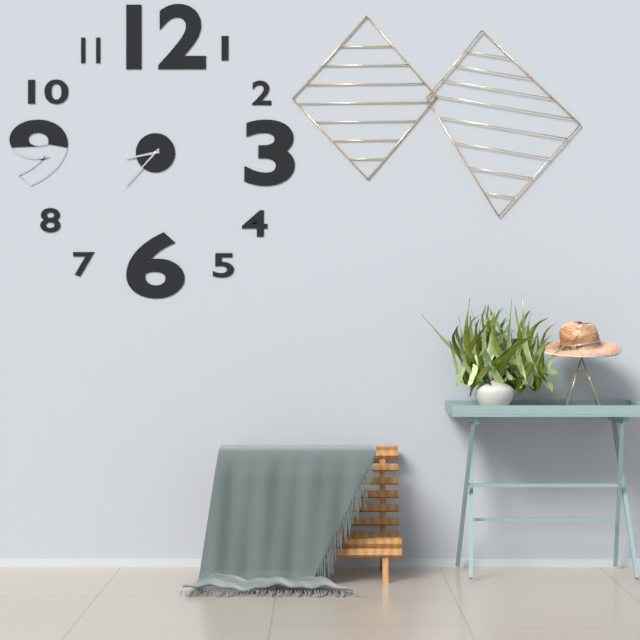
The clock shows 8.37
